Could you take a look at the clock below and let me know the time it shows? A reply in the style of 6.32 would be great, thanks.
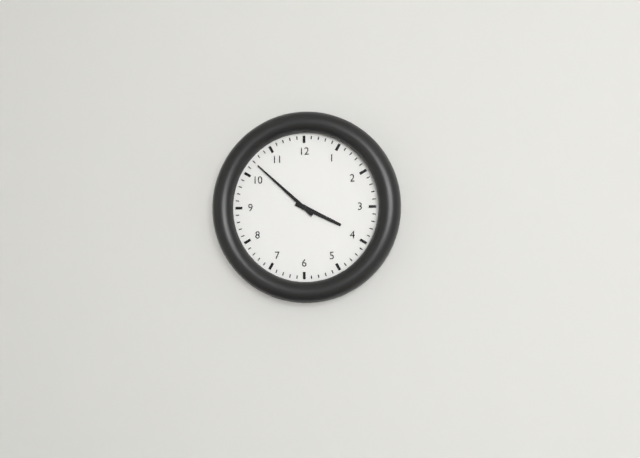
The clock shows 3.52
